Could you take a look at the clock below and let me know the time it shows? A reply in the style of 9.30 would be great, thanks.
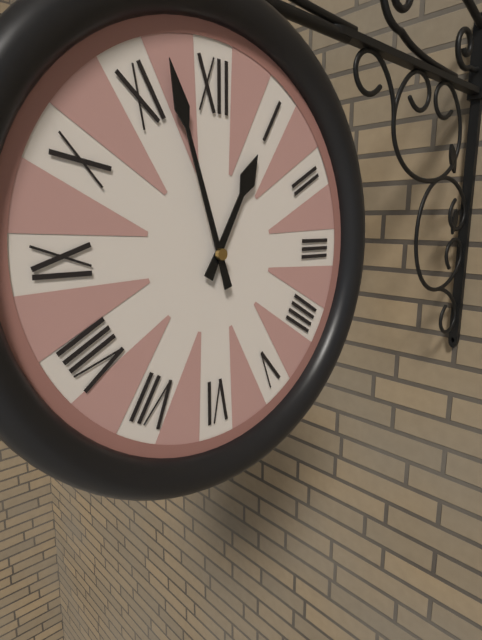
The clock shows 12.57
